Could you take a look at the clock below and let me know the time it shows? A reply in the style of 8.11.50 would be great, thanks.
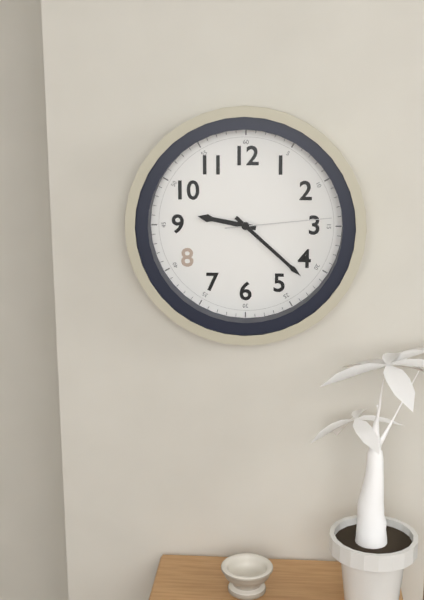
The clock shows 9.22.14
